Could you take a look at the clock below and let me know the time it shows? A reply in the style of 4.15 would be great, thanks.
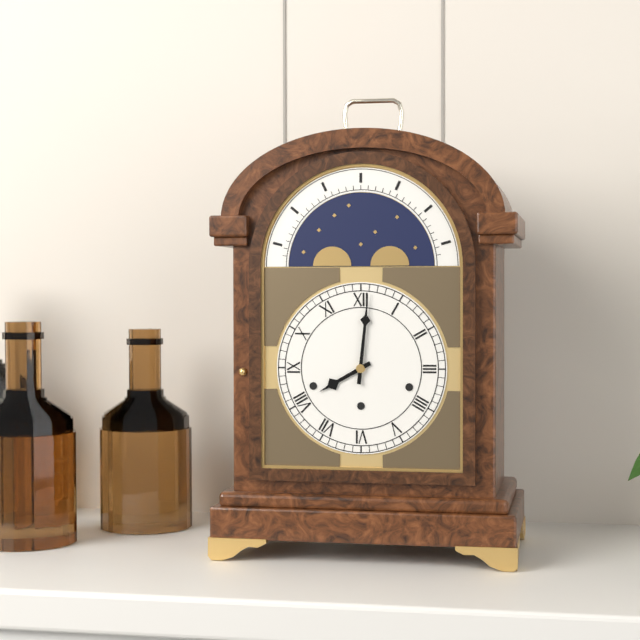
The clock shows 8.01
